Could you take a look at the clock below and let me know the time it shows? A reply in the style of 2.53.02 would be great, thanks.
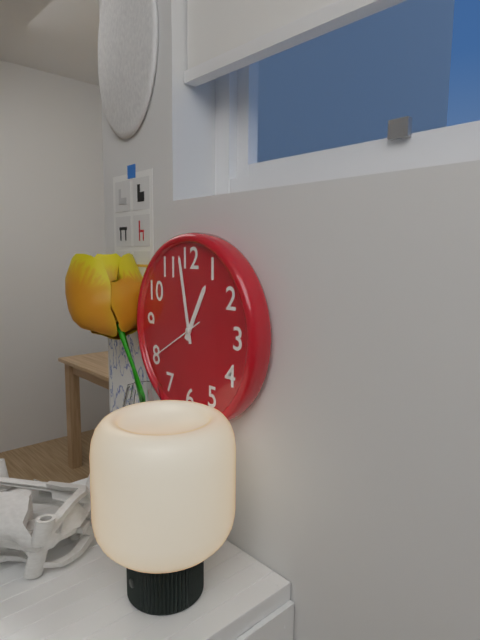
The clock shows 12.58.40
